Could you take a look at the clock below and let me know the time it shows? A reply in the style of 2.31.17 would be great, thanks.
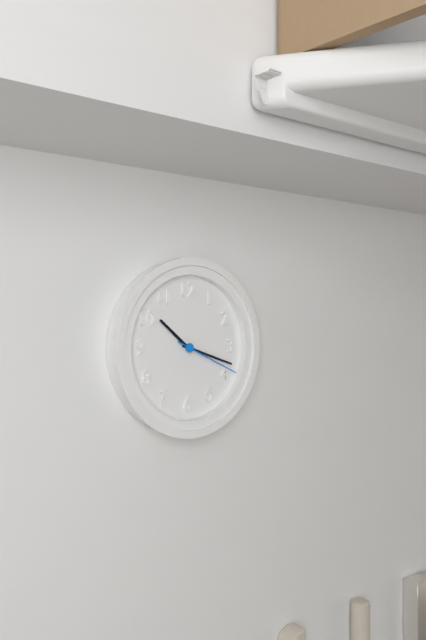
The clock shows 10.18.19
